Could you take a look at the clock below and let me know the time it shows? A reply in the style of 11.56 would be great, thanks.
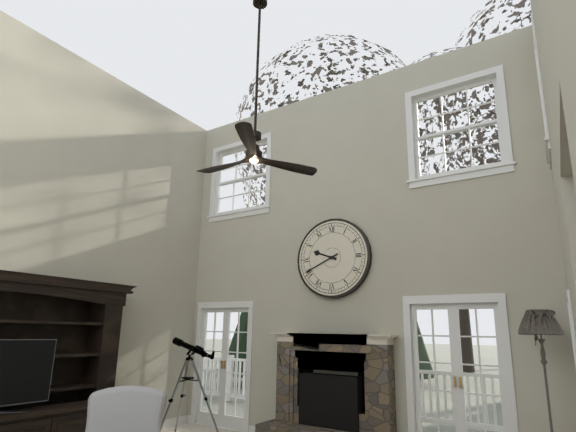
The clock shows 9.41
